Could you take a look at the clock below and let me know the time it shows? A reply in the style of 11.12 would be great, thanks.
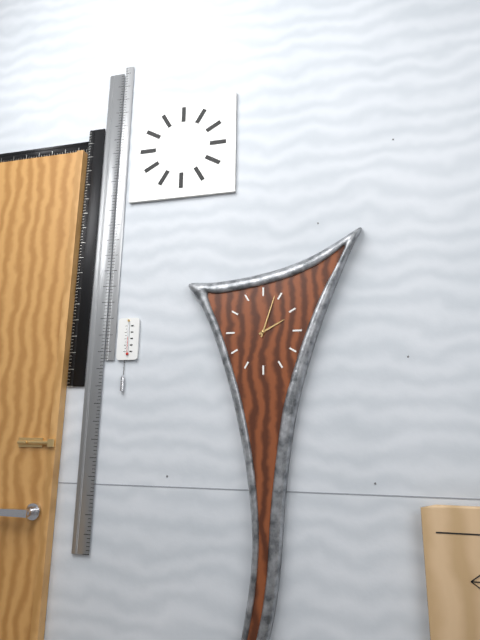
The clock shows 2.03
